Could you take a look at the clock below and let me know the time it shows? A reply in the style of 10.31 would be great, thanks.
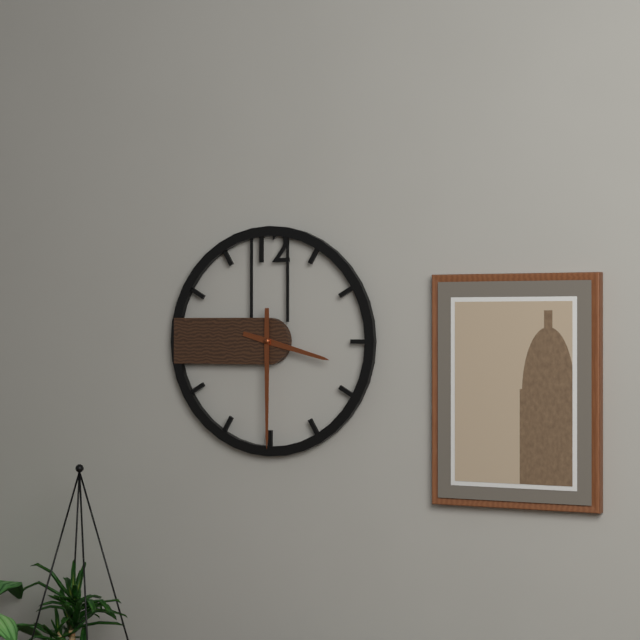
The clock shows 3.30
